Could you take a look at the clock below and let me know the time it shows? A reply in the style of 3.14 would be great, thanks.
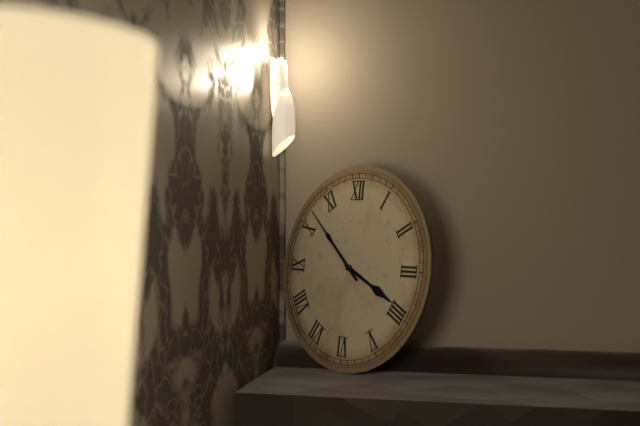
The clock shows 3.52
